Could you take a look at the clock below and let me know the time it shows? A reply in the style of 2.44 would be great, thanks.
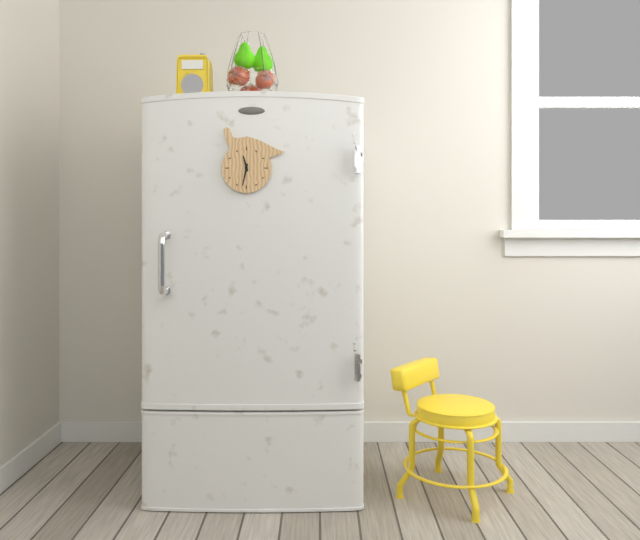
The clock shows 11.32
